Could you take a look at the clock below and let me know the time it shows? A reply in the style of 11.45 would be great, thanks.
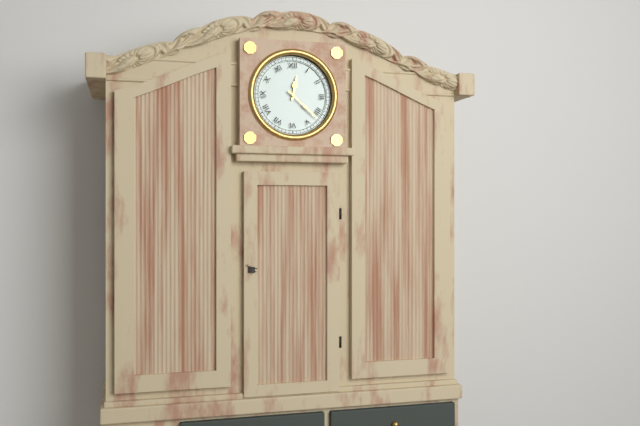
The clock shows 12.22
